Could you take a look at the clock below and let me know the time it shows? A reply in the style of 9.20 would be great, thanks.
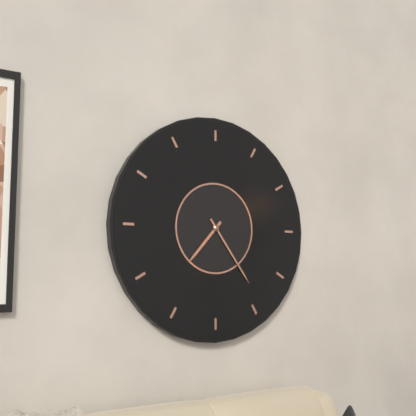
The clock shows 7.24
